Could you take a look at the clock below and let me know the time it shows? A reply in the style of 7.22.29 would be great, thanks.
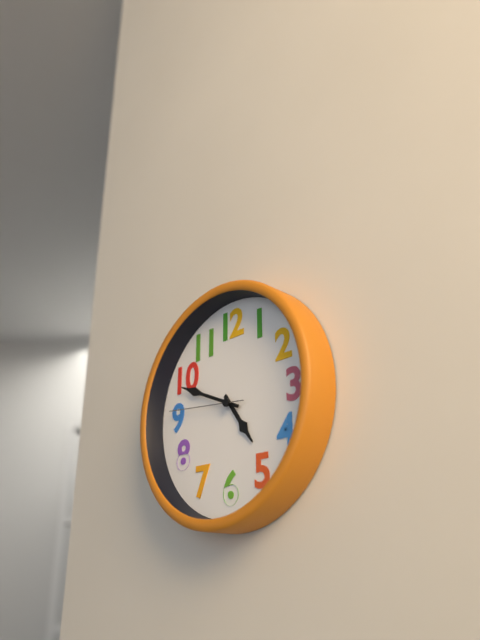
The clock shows 4.49.46
